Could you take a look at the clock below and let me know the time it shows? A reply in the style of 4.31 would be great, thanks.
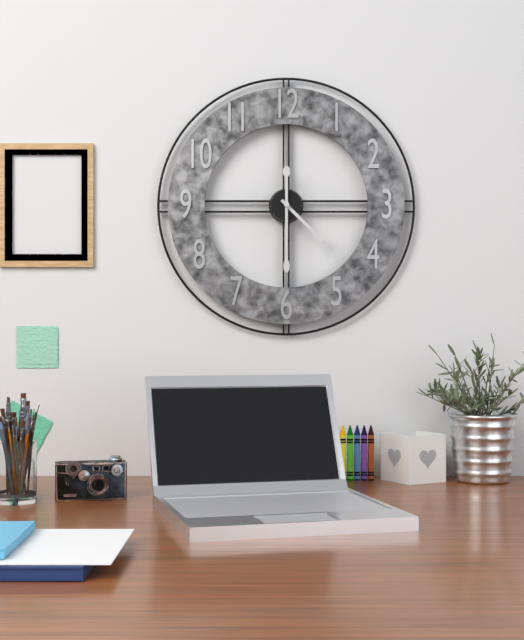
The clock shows 4.30
